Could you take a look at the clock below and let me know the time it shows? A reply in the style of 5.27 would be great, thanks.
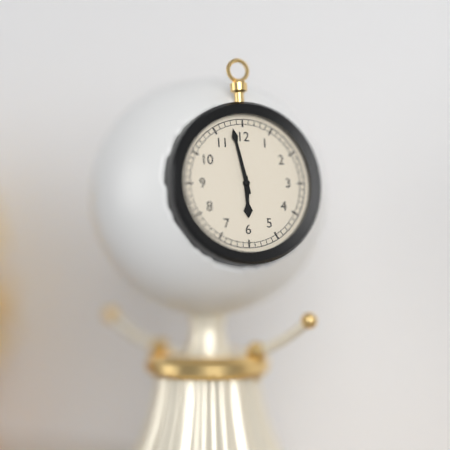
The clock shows 5.58
